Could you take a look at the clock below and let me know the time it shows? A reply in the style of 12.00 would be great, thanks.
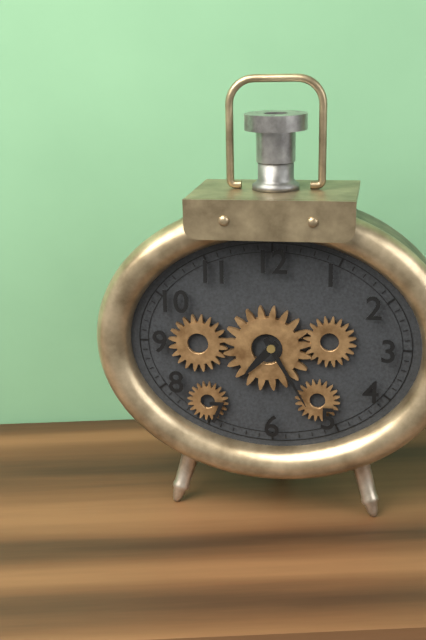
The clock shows 7.25
